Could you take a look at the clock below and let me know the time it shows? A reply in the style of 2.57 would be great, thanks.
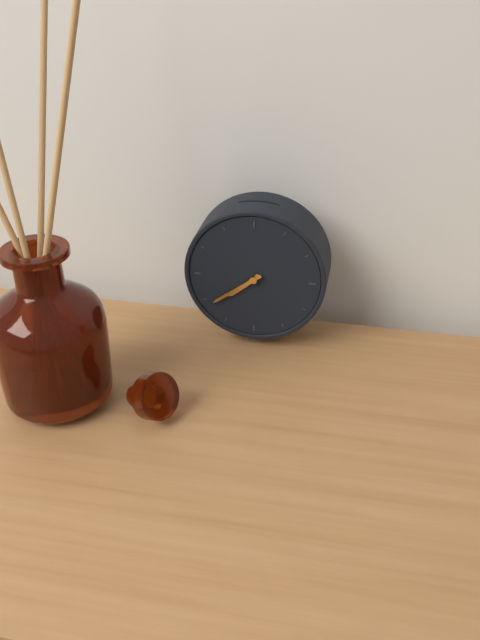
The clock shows 7.39
